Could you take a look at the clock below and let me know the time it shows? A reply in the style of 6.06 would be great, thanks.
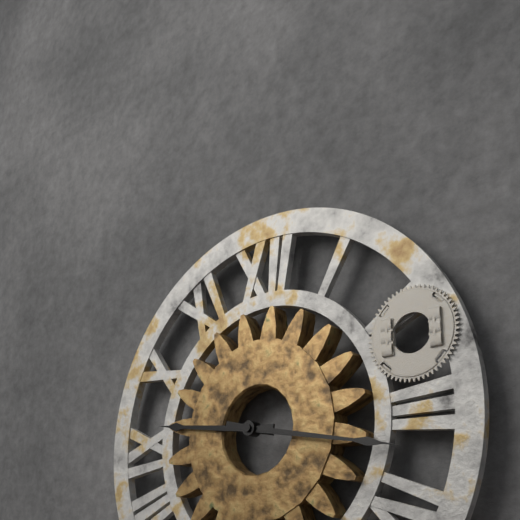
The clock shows 9.17
